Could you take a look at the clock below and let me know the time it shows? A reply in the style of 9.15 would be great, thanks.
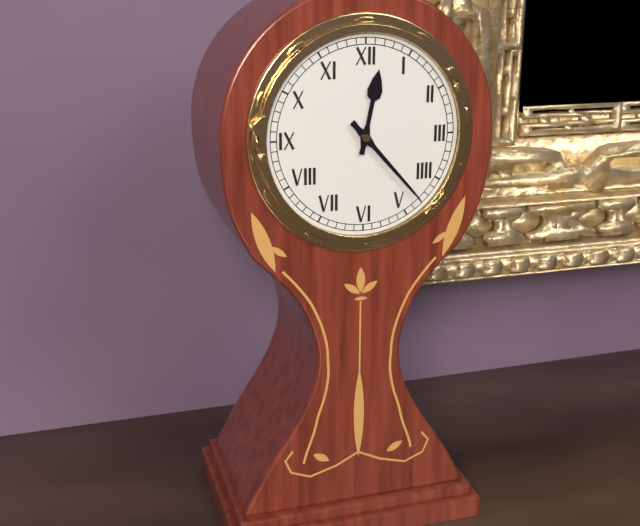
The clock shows 12.23
